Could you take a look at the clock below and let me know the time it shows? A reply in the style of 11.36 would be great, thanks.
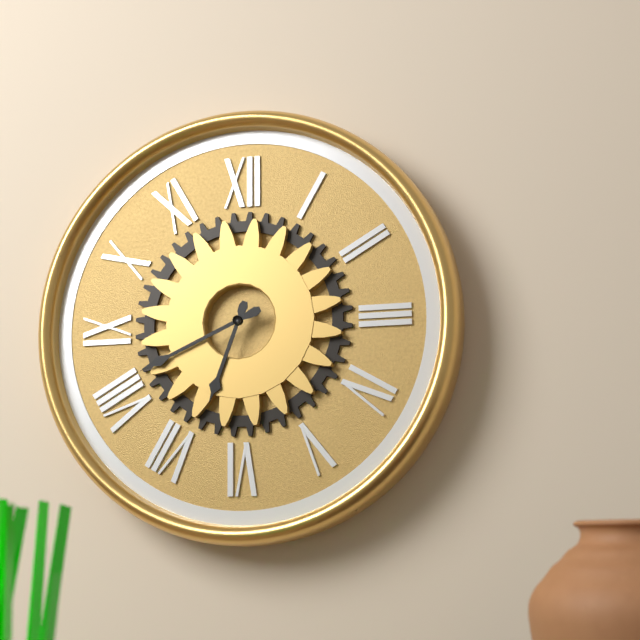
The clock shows 6.41
